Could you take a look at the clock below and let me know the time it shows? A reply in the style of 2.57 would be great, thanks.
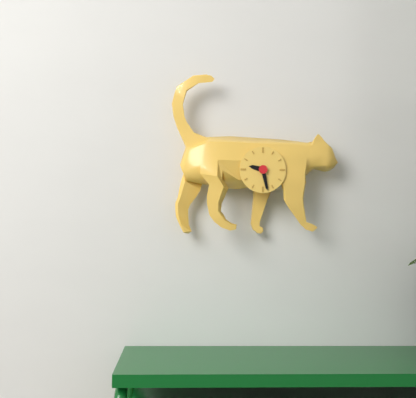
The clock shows 9.28
